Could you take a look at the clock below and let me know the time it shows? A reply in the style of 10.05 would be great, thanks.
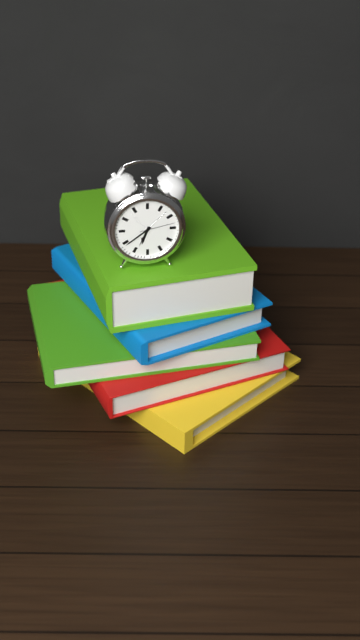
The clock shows 6.39
